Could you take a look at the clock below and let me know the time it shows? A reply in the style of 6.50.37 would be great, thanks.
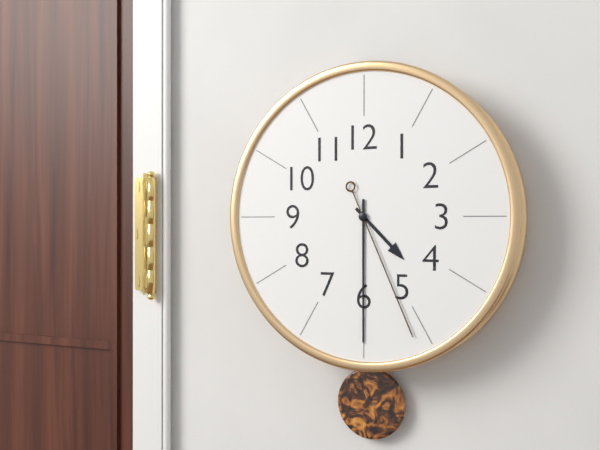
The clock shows 4.30.26
